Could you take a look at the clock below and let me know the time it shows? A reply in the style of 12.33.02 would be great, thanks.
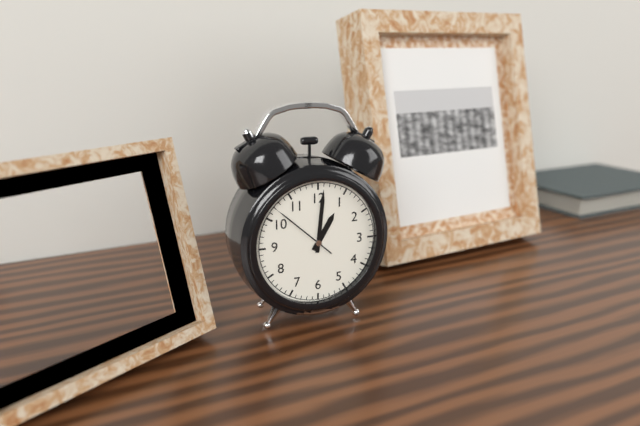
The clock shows 1.01.52
